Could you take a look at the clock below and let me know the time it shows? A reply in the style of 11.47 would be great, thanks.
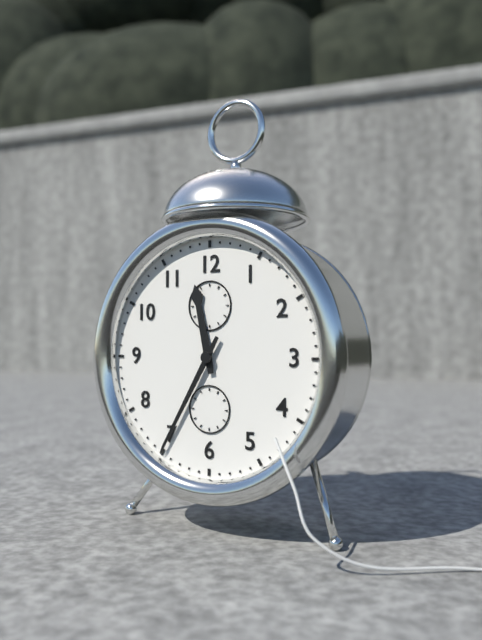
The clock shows 11.35
